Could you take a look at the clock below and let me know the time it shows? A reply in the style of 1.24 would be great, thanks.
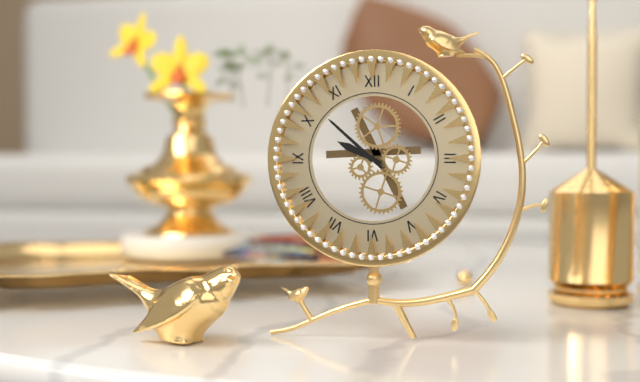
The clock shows 9.52
